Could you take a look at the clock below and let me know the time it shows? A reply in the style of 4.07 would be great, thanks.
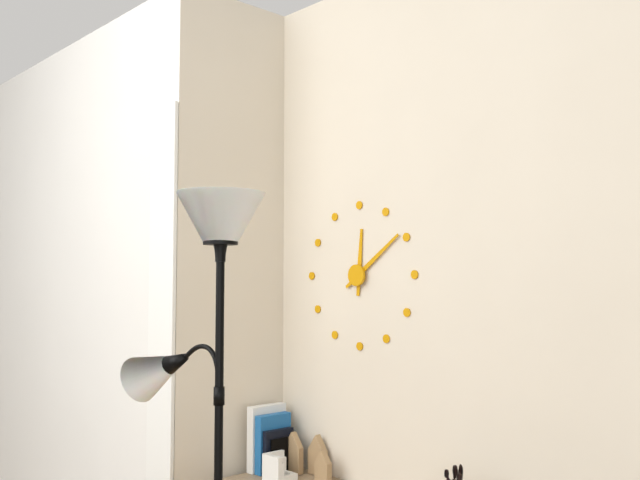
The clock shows 12.09
